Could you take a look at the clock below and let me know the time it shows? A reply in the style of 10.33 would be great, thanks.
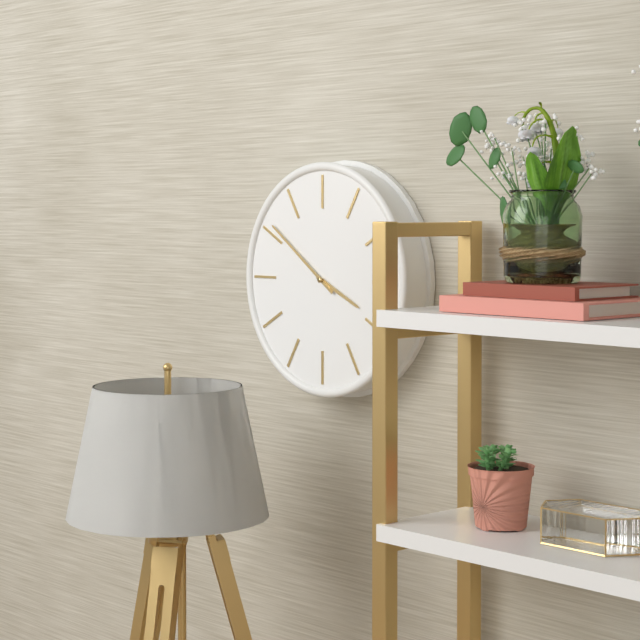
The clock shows 3.51
